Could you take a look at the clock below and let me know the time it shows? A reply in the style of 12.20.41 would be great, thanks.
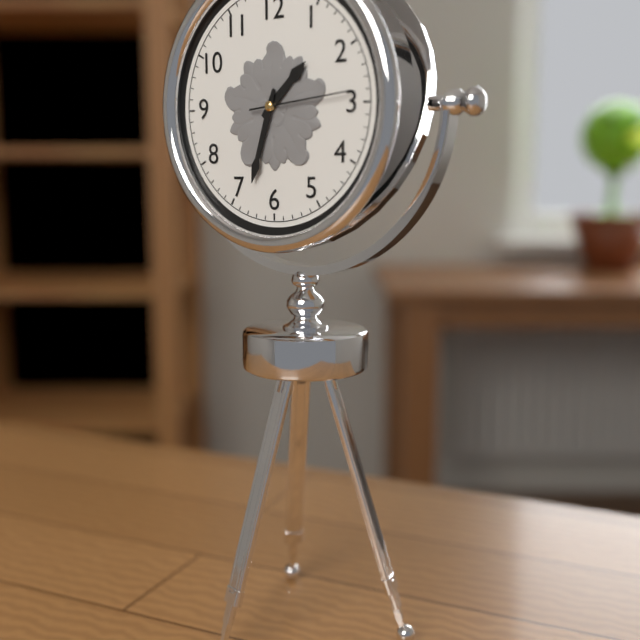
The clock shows 1.33.14
